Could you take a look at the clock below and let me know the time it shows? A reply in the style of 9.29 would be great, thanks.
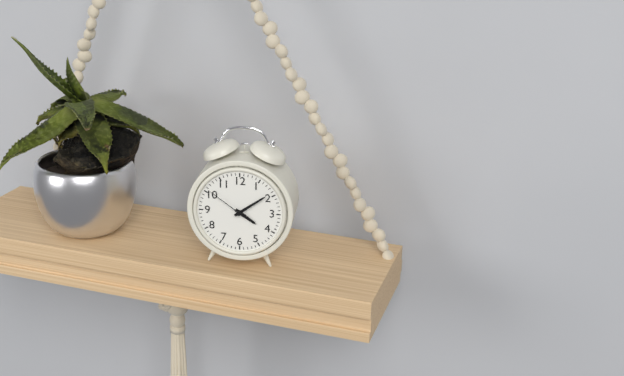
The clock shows 4.09
